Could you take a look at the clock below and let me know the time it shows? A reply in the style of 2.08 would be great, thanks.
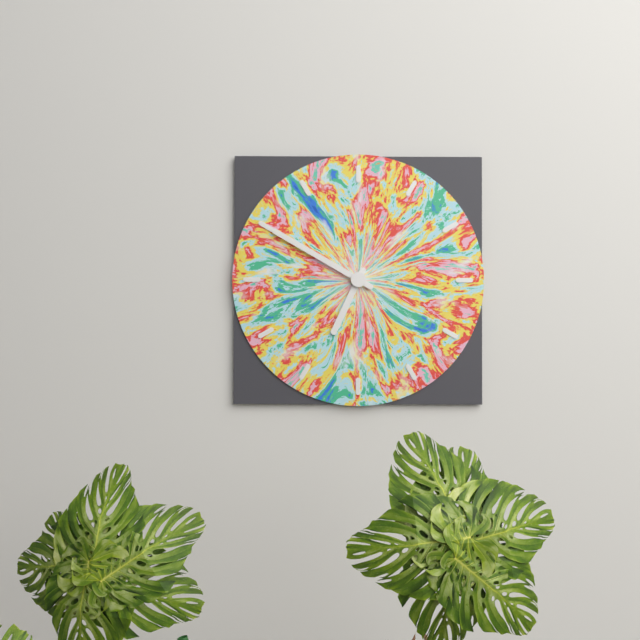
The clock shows 6.50
